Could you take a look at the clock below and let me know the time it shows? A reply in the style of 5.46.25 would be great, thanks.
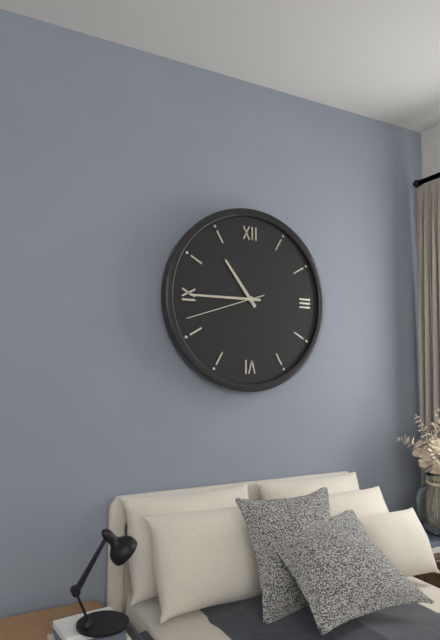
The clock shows 10.45.42
